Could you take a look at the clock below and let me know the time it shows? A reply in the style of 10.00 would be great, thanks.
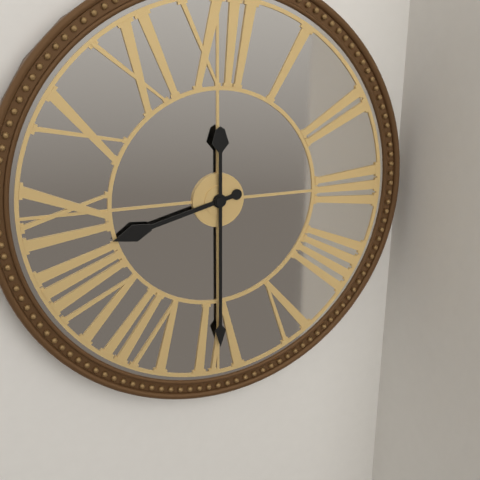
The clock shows 8.30
